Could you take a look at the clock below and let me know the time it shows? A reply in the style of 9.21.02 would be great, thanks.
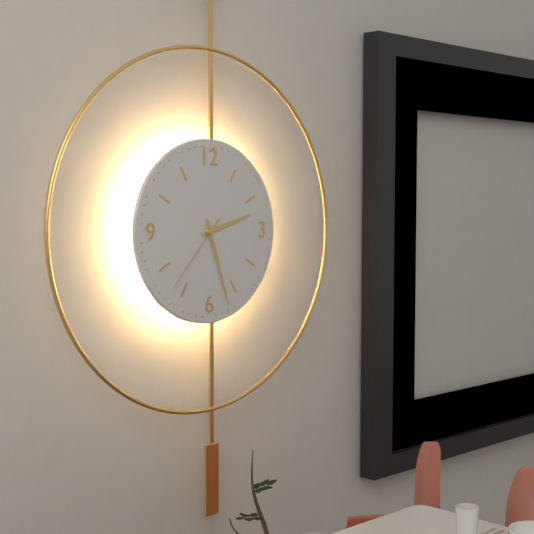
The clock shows 2.27.37
